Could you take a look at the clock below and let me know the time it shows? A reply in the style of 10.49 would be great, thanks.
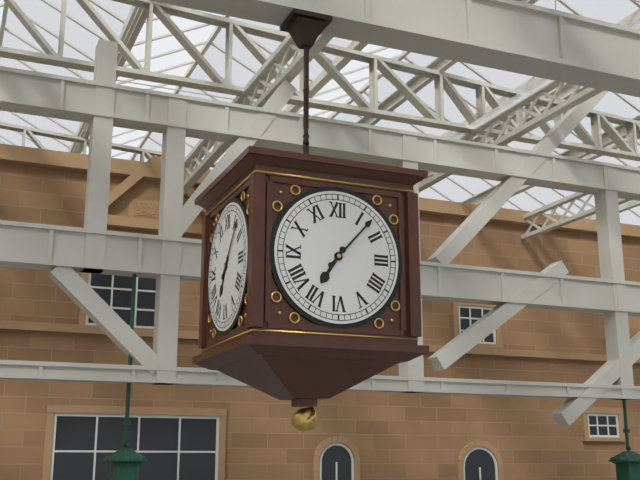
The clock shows 7.07
